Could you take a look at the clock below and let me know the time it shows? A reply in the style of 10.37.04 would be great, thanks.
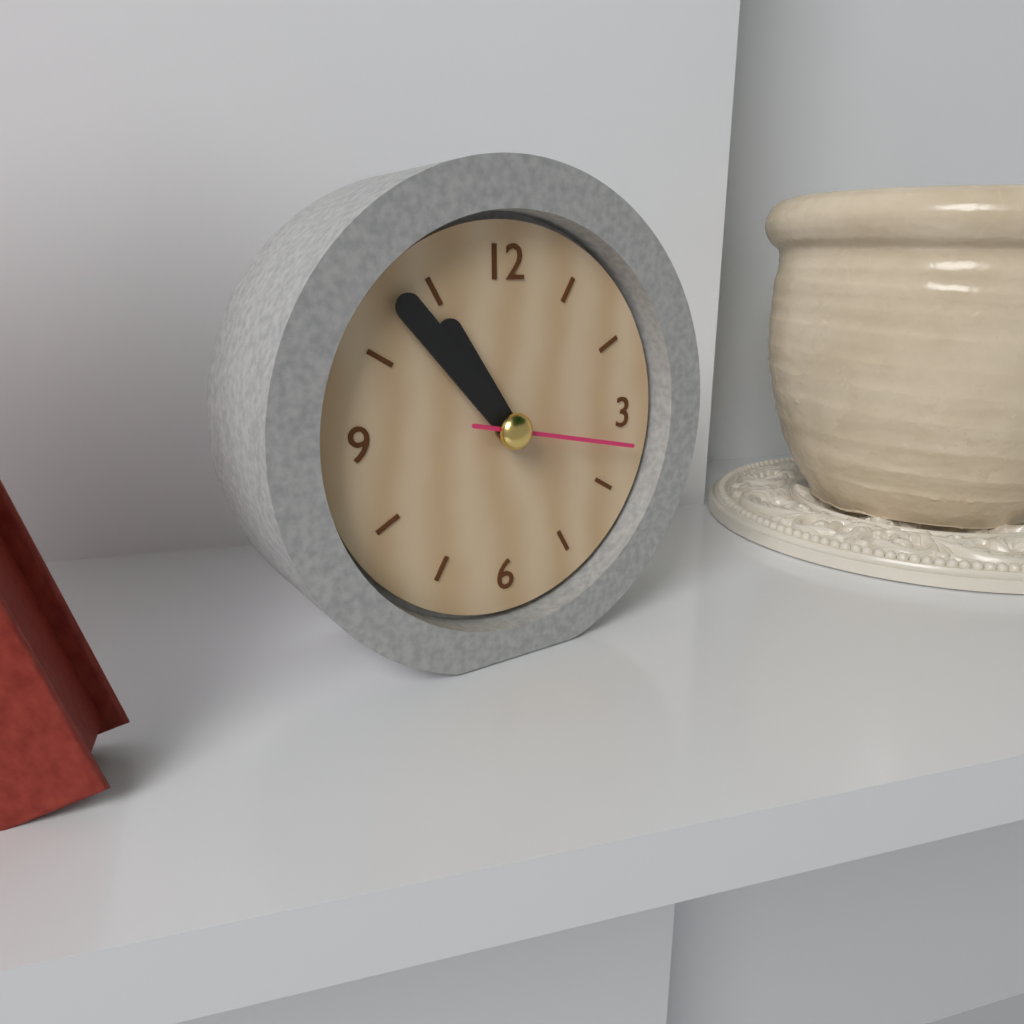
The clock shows 10.53.17
